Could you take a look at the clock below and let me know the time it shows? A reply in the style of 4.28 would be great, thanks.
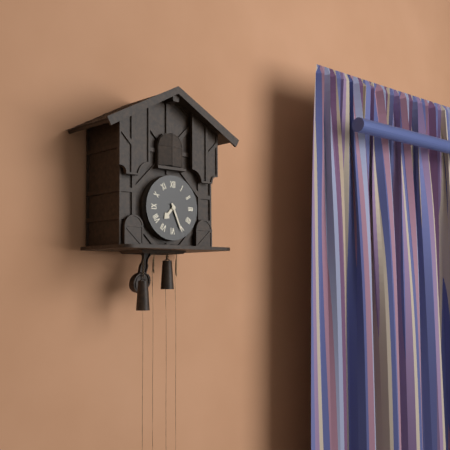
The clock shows 7.26
